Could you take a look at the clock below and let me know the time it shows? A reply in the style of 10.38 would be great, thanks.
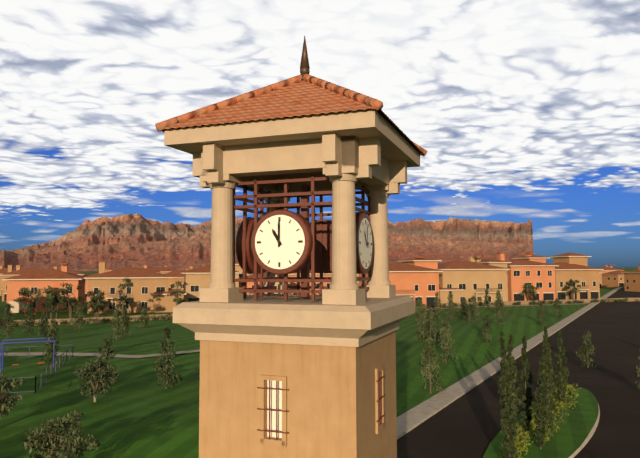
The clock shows 11.00
